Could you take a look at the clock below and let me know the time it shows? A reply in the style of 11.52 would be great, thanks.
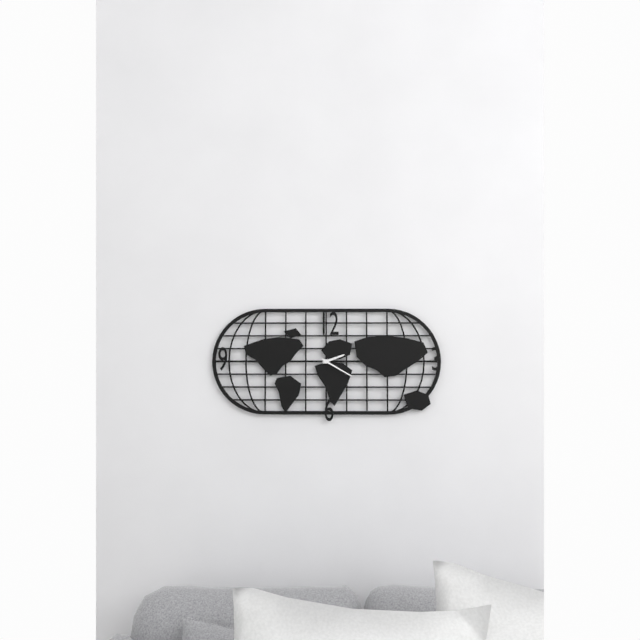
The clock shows 2.20
